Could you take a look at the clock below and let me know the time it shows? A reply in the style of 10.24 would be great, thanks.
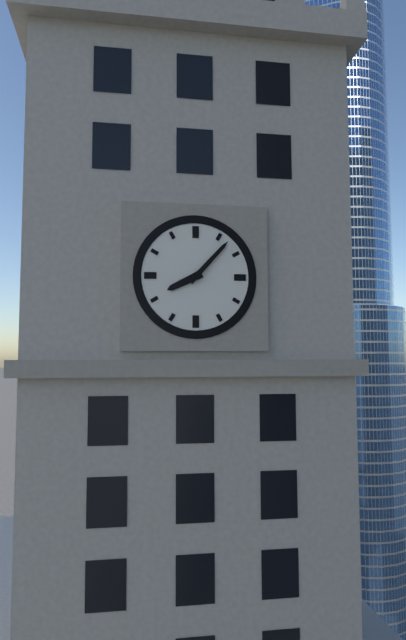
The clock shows 8.07
